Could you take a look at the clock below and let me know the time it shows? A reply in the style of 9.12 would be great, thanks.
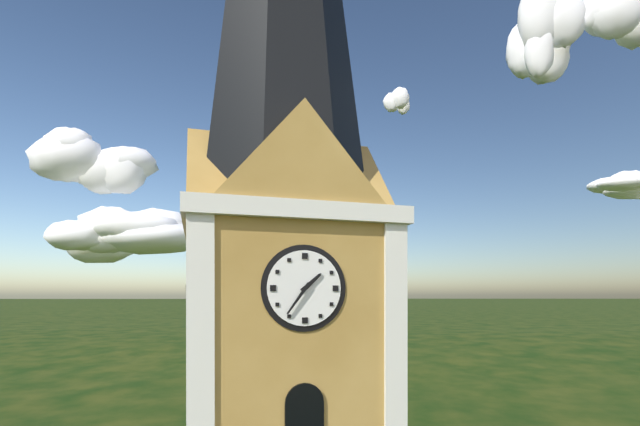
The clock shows 1.36
